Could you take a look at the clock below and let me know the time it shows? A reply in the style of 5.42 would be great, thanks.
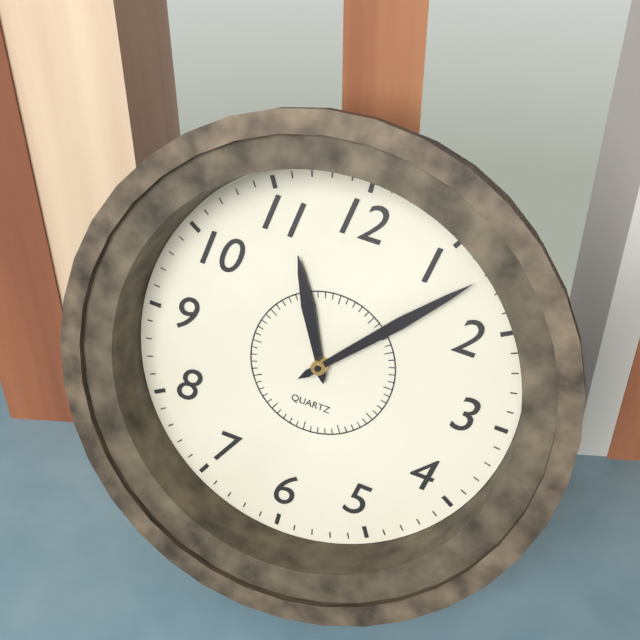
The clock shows 11.07
